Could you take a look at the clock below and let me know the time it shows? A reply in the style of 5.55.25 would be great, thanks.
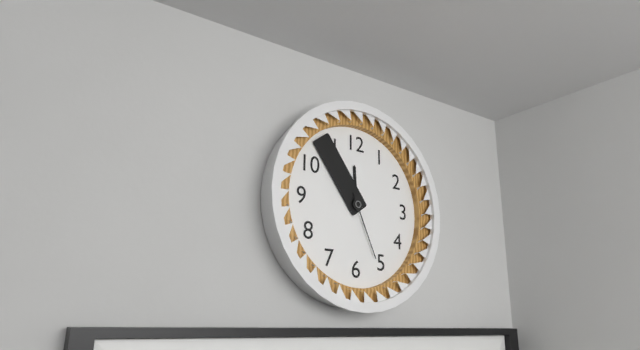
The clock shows 11.54.26
